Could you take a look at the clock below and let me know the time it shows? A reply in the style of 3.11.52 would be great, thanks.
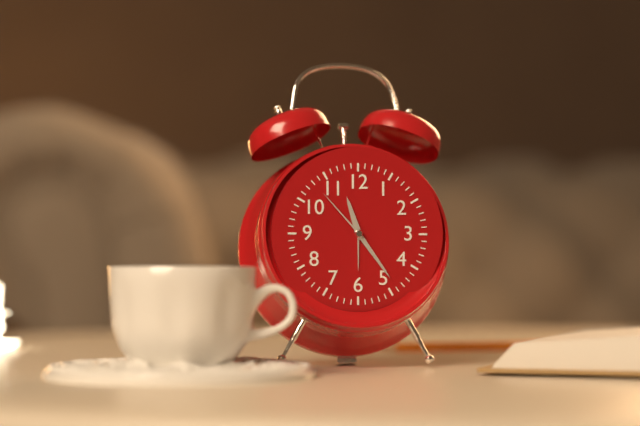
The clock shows 11.24.53
